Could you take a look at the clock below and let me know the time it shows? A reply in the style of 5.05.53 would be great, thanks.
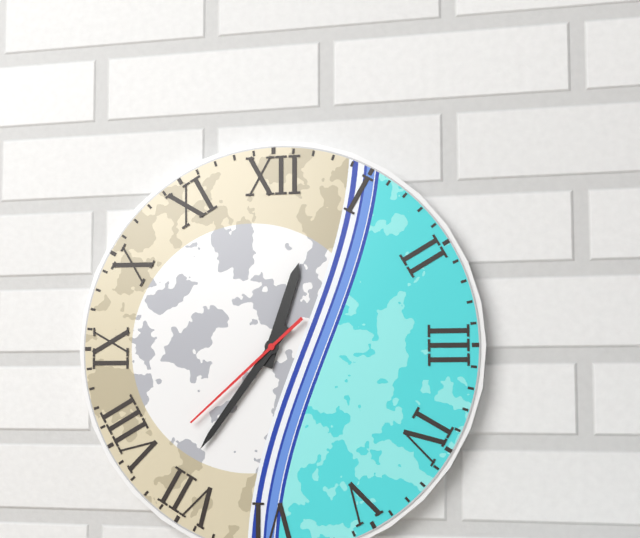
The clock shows 12.36.38
